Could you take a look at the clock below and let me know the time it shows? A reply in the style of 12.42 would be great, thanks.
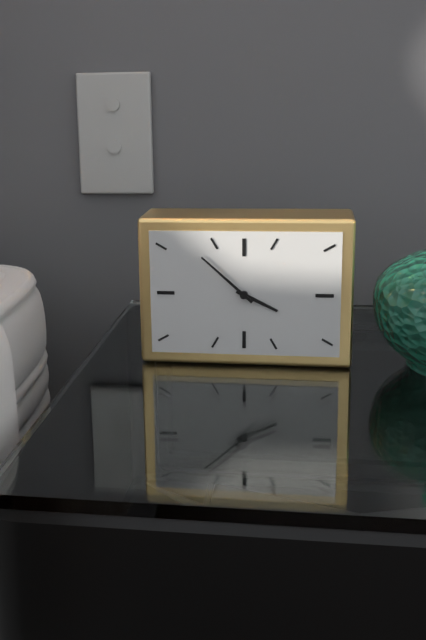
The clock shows 3.52
